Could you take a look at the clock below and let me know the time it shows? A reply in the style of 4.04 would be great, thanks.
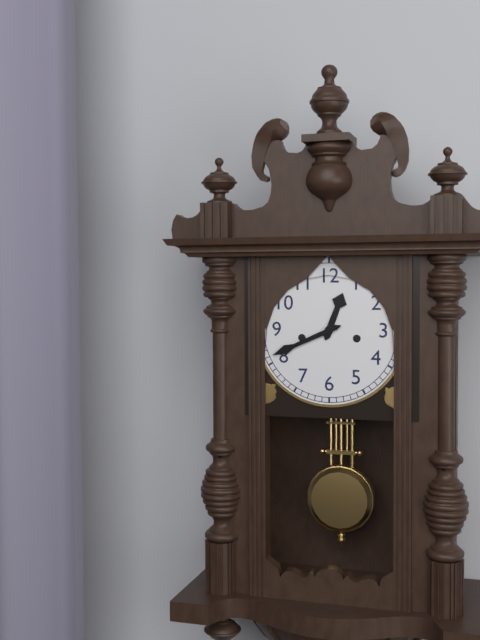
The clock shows 12.41
